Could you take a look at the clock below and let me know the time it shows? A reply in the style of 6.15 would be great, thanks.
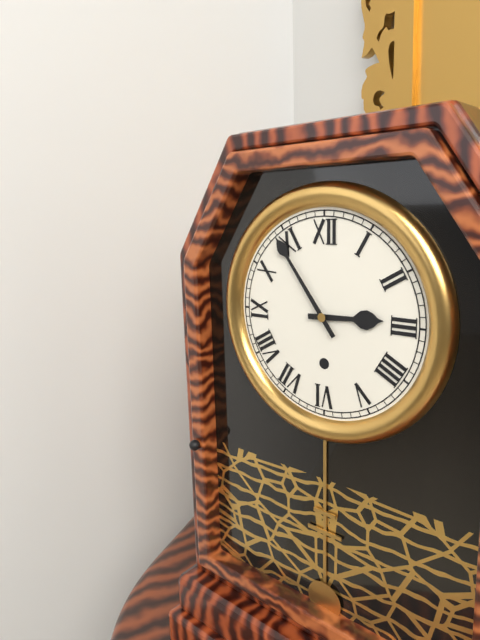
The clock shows 2.54
